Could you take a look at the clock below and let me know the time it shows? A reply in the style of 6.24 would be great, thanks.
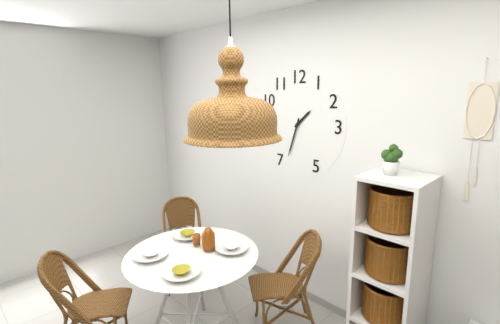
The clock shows 1.33
